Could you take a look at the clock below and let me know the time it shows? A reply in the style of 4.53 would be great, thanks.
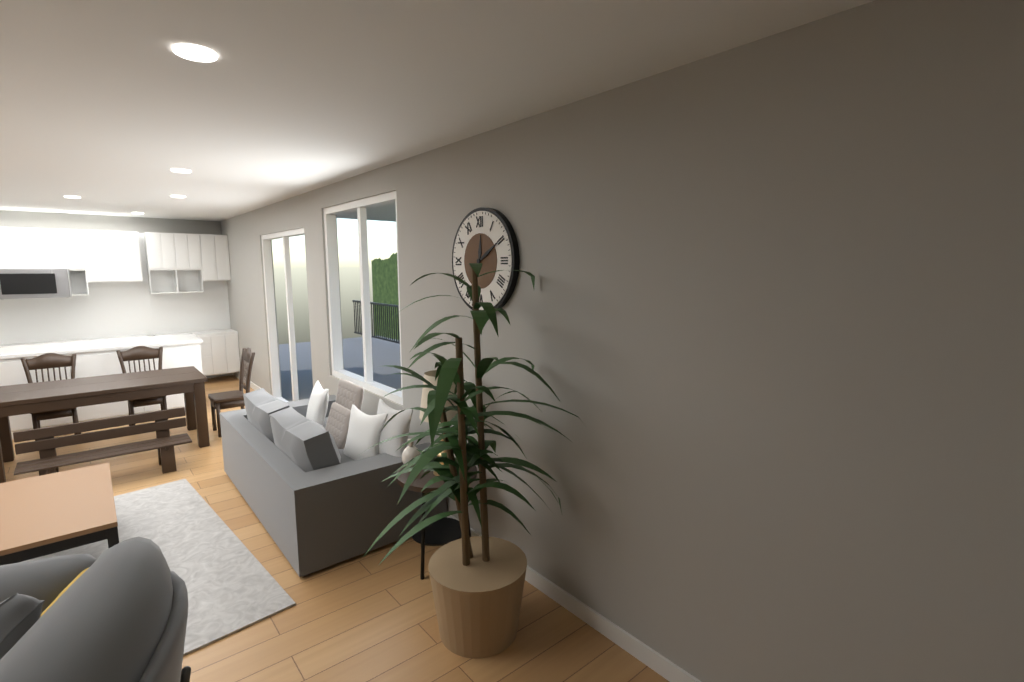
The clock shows 12.10
